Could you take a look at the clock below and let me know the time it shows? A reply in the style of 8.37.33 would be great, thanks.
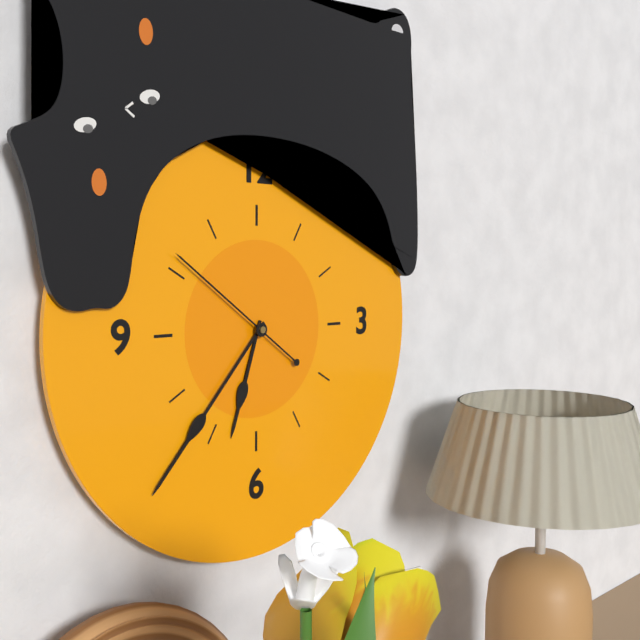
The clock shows 6.37.51
